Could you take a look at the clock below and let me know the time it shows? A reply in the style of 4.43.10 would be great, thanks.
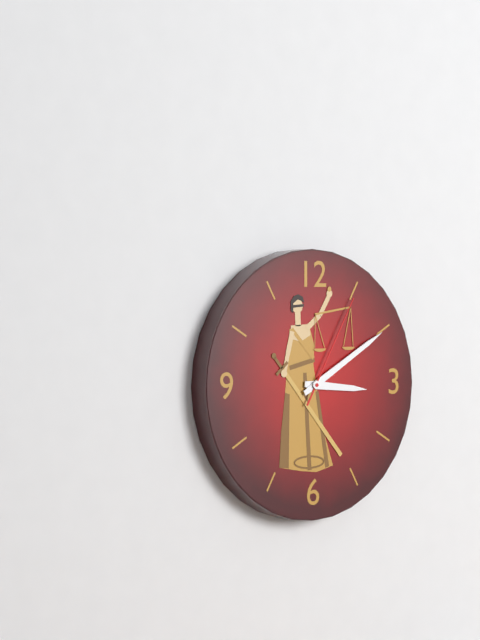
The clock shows 3.10.05
